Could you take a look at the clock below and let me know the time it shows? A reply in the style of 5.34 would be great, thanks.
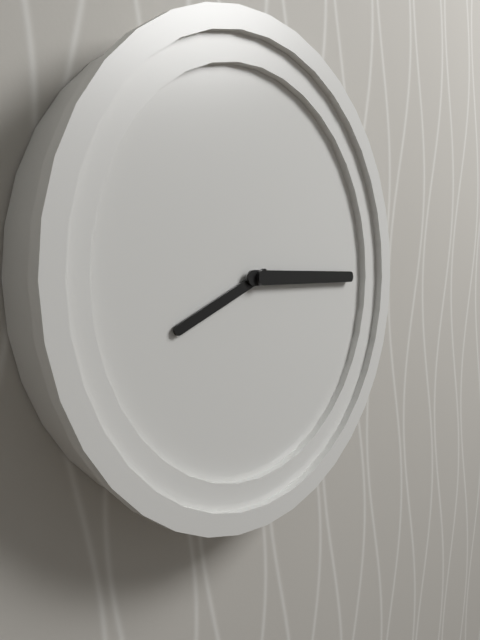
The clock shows 8.15
